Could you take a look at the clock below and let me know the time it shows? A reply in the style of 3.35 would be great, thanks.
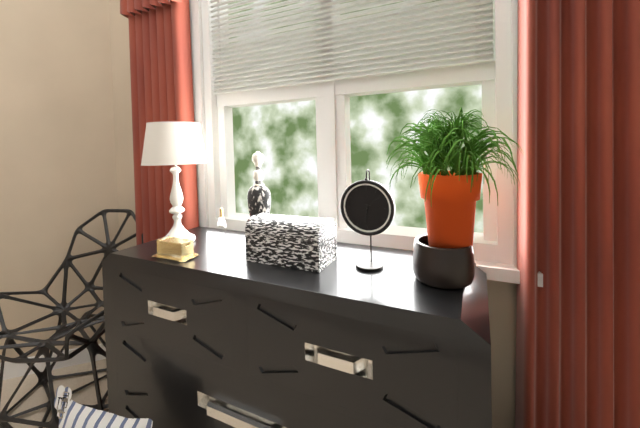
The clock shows 6.08
